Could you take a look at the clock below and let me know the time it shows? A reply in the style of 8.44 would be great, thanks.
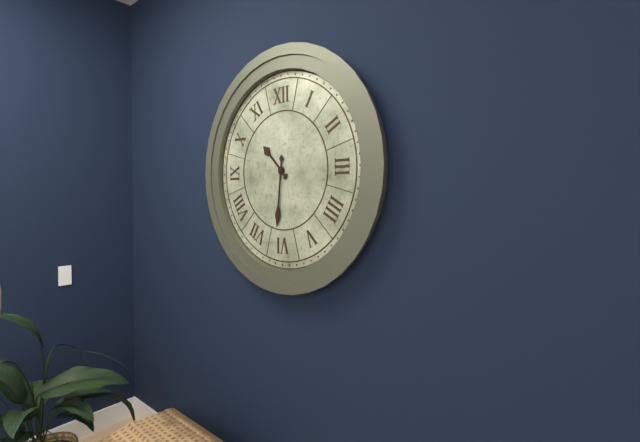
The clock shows 10.31
